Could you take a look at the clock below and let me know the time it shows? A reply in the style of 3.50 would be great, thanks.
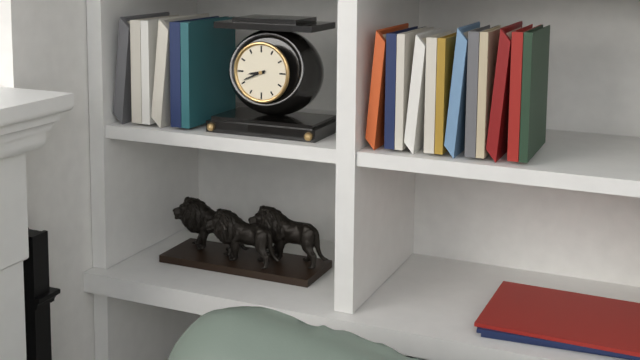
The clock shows 8.41
